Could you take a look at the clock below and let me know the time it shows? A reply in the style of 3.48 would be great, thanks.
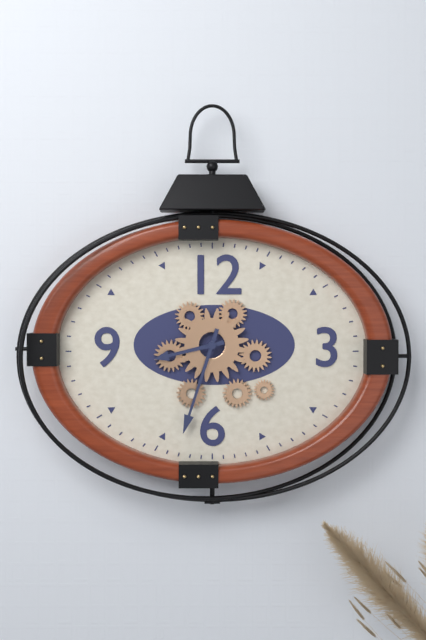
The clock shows 8.33
